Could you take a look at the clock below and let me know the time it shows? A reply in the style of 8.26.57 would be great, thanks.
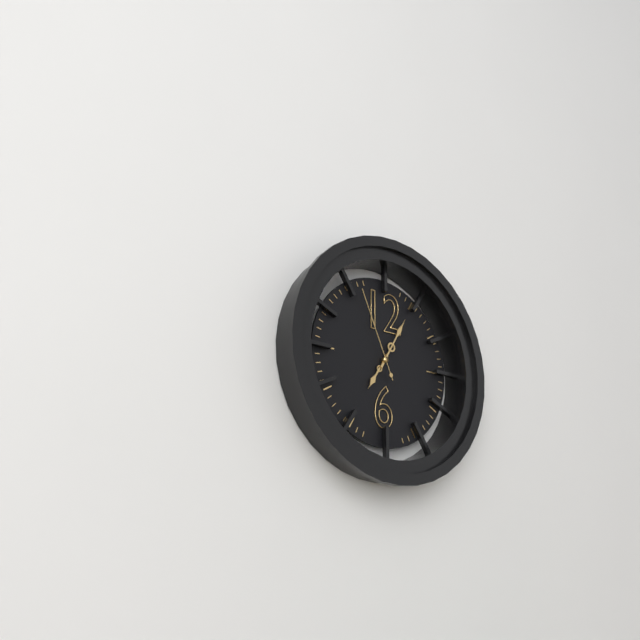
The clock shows 7.05.56
